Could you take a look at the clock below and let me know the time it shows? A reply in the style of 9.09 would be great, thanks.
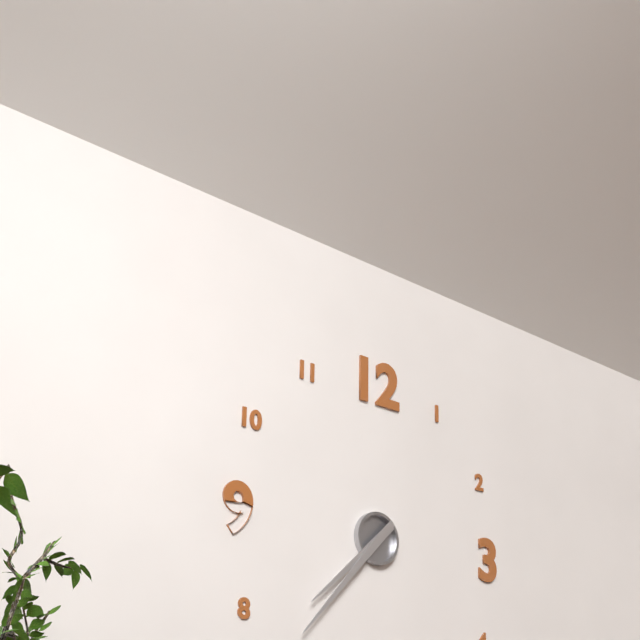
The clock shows 7.37
